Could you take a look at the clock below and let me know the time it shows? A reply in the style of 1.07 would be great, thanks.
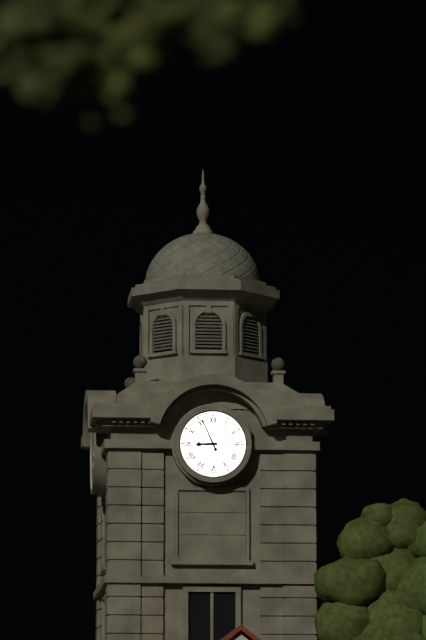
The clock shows 8.56
